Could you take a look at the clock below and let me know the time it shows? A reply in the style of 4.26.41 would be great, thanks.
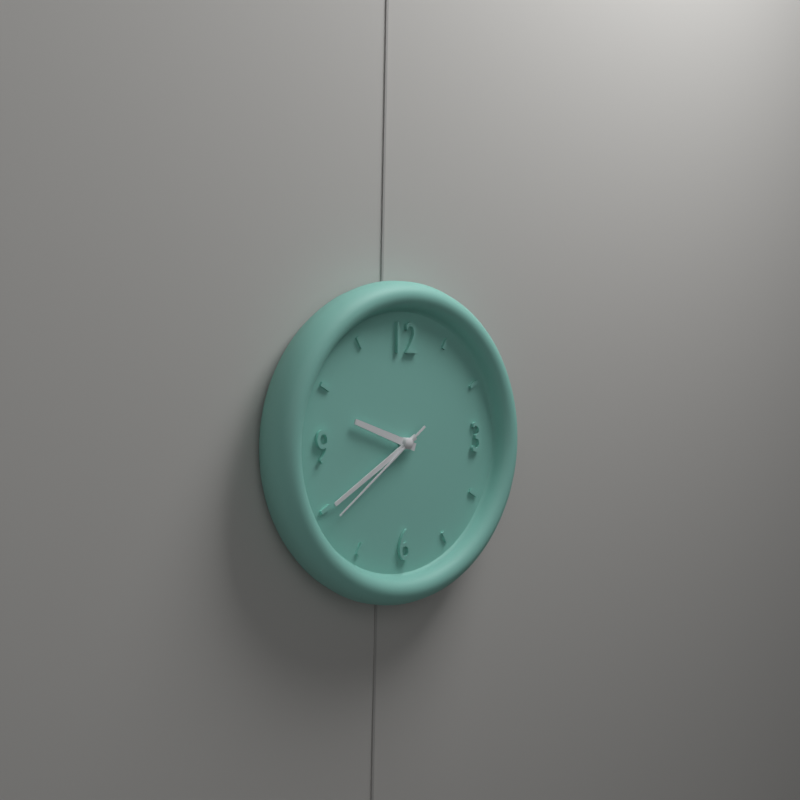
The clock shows 9.40.39
